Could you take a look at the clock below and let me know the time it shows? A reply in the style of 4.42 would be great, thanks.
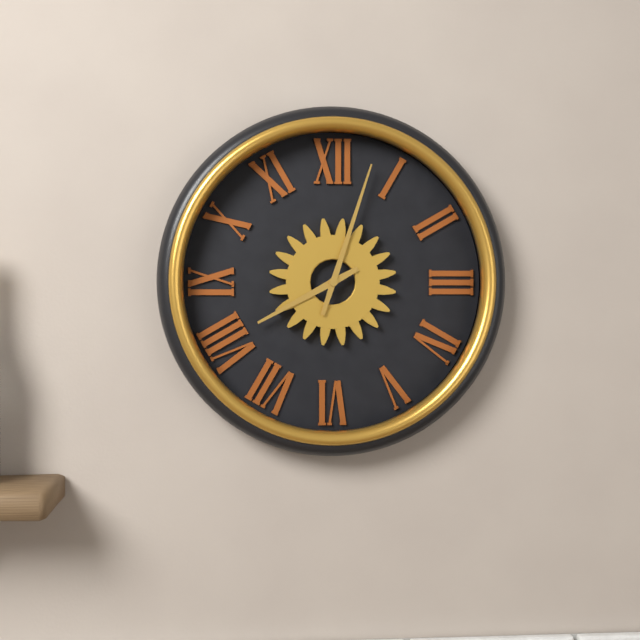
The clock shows 8.03
